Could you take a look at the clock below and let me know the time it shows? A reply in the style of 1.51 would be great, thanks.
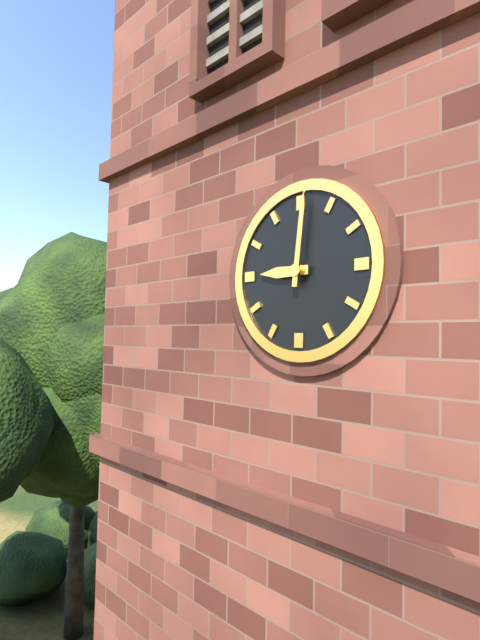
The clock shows 9.01
